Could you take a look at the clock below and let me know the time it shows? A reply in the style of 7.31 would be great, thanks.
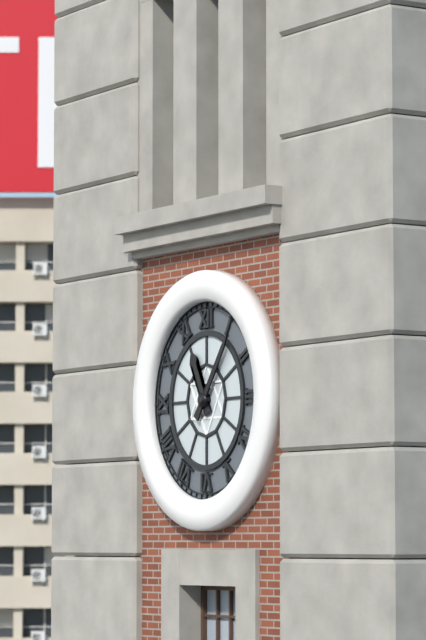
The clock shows 11.06
